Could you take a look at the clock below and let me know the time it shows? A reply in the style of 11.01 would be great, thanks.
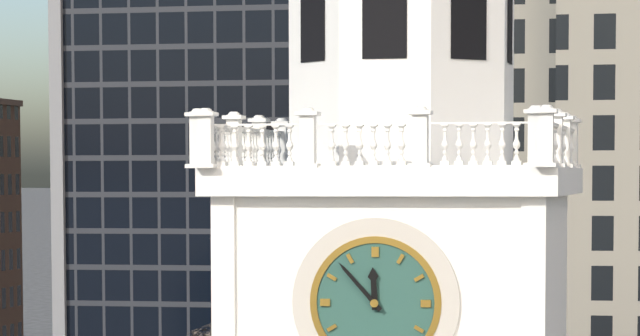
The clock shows 11.53
